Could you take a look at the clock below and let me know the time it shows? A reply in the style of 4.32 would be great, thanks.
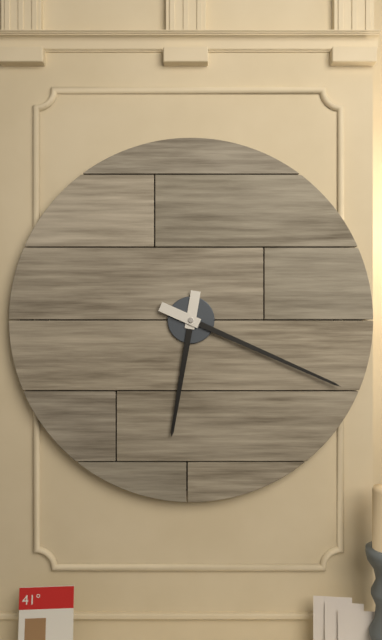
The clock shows 6.19
